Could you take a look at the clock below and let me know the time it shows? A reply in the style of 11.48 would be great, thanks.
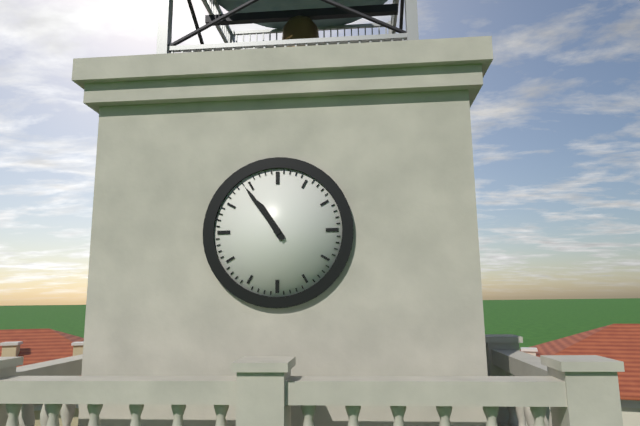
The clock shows 10.54
